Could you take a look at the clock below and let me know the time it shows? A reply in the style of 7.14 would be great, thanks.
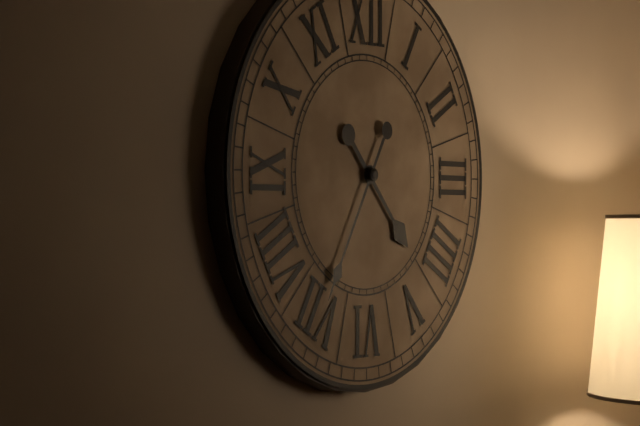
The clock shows 4.35
